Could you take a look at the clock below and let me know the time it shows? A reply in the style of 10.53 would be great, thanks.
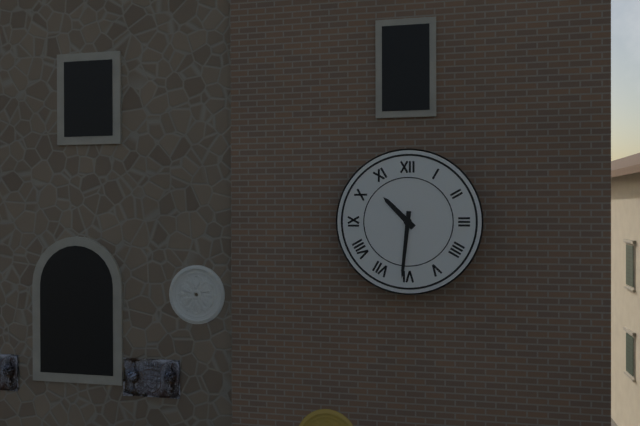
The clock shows 10.31
